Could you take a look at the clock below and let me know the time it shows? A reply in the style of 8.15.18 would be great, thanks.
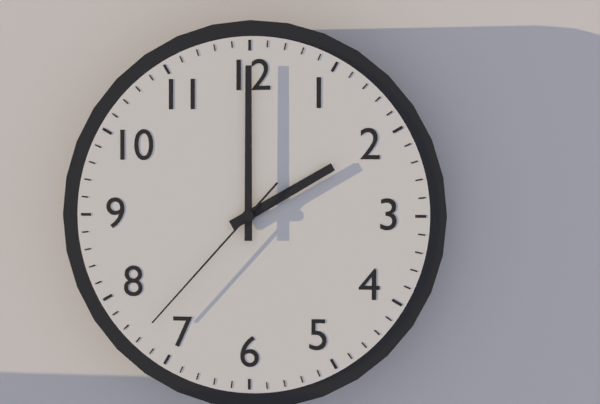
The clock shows 2.00.37
